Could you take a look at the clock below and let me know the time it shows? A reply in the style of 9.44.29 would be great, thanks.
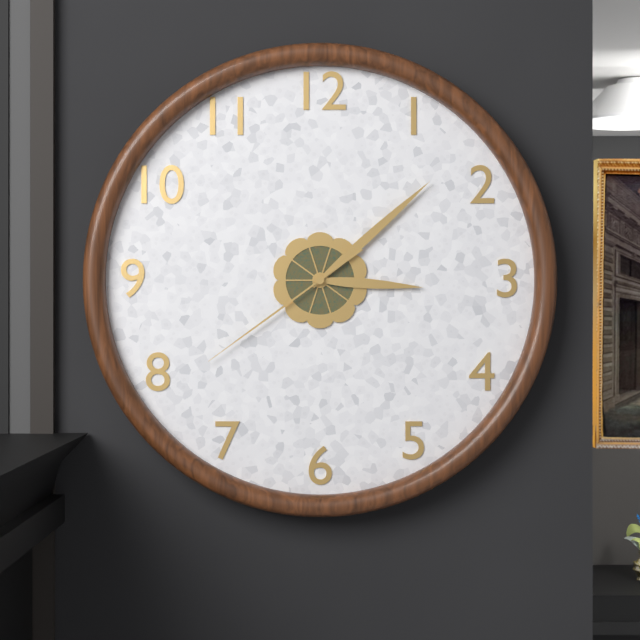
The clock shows 3.08.39
